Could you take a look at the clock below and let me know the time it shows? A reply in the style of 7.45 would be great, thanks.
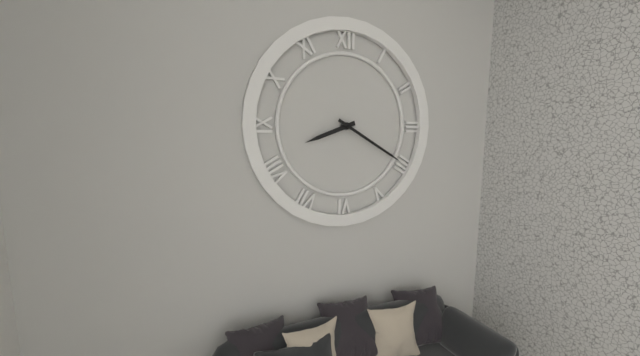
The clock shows 8.20
